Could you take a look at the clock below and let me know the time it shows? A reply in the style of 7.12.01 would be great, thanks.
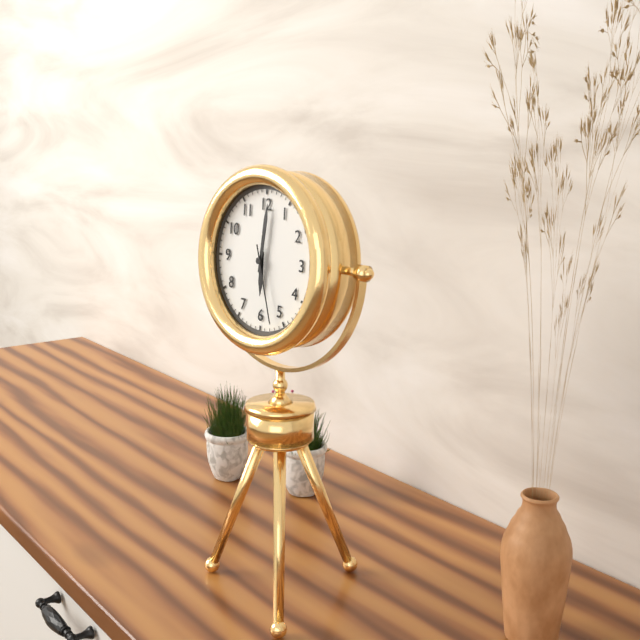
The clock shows 6.01.27
